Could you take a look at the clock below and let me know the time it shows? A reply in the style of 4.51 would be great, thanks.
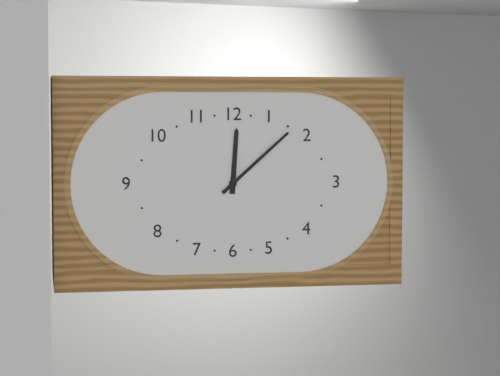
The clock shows 12.08
